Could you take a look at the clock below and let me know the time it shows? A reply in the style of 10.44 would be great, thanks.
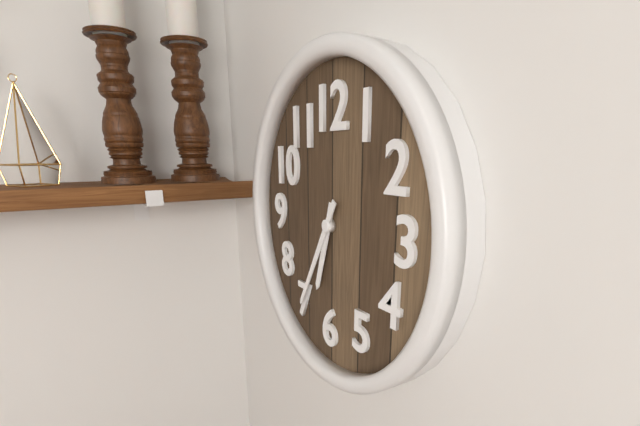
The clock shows 6.35
